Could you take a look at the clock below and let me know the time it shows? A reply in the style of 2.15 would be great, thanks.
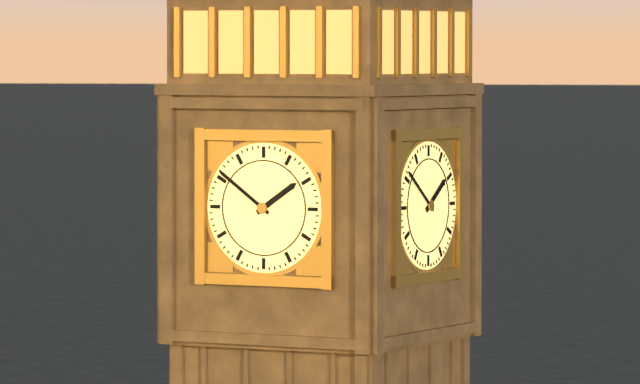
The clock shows 1.51
